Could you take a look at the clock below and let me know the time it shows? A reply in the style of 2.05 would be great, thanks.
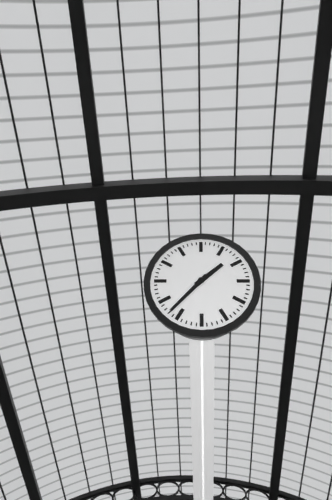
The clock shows 1.37
